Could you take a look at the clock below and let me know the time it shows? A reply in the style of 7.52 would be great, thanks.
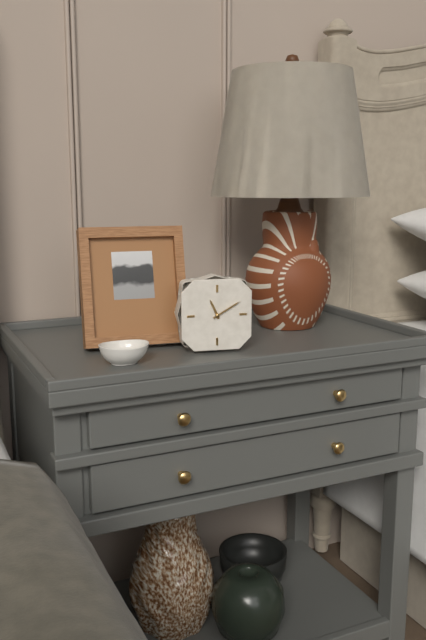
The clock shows 11.10
